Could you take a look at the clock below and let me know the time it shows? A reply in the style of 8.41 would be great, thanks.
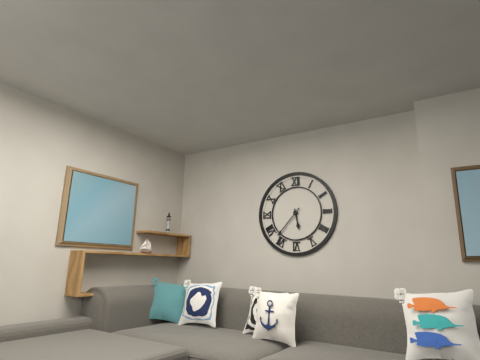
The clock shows 5.37
